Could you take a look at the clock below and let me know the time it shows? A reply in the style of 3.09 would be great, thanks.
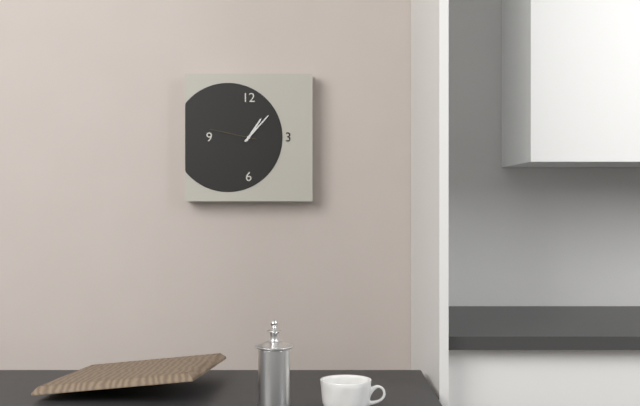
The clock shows 1.07
